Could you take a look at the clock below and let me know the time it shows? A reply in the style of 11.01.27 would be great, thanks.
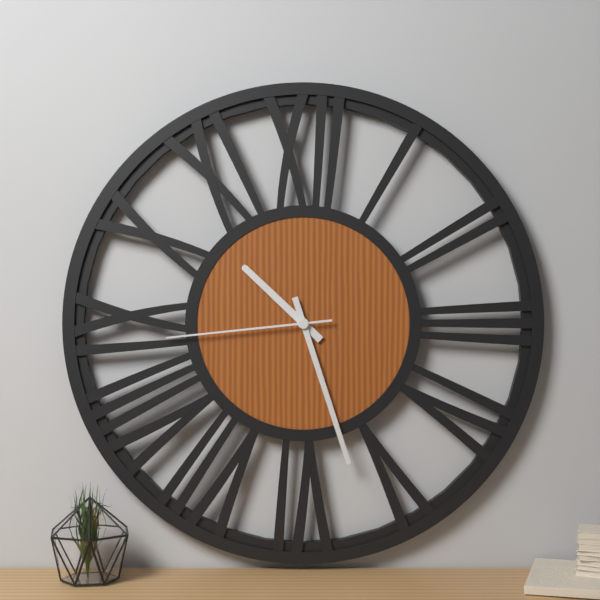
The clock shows 10.27.44
